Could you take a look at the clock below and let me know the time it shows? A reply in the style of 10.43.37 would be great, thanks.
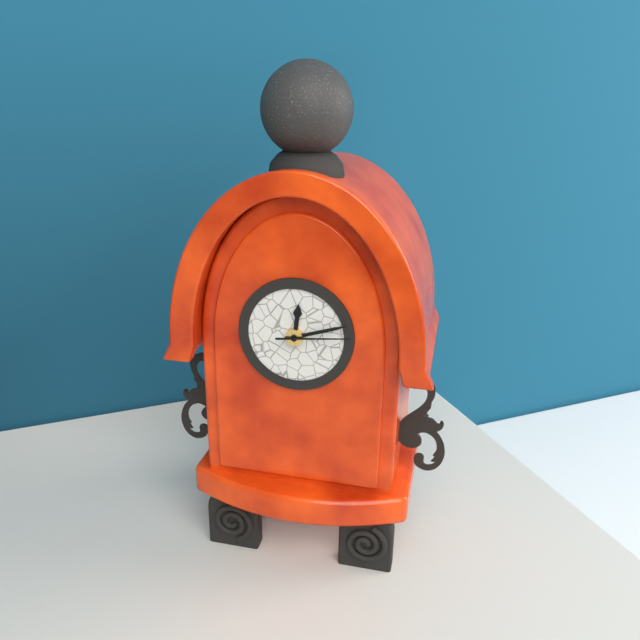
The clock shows 12.12.14
